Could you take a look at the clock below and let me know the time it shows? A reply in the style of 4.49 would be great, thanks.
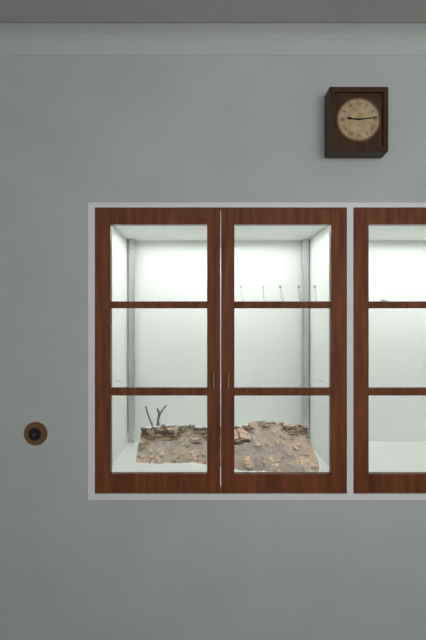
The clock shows 9.14
